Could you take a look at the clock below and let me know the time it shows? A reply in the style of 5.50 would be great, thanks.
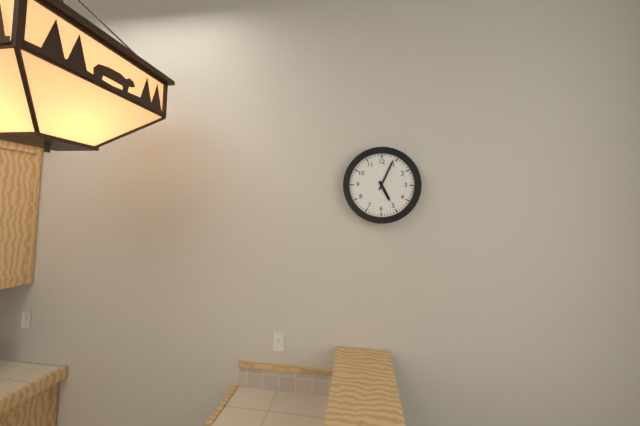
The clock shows 5.04
